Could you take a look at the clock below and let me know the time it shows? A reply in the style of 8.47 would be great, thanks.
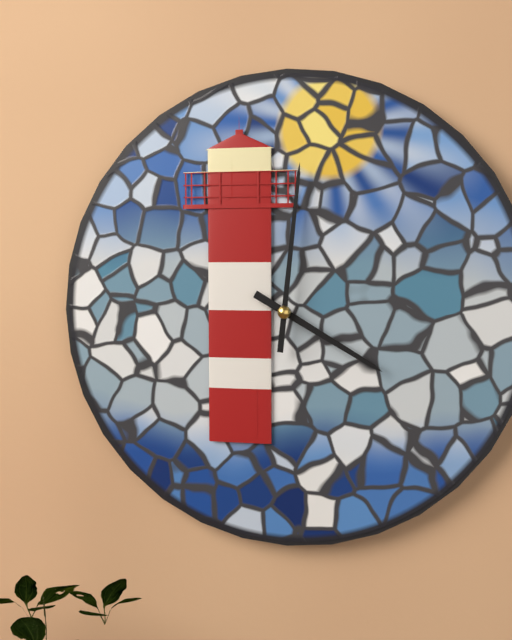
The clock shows 4.01
